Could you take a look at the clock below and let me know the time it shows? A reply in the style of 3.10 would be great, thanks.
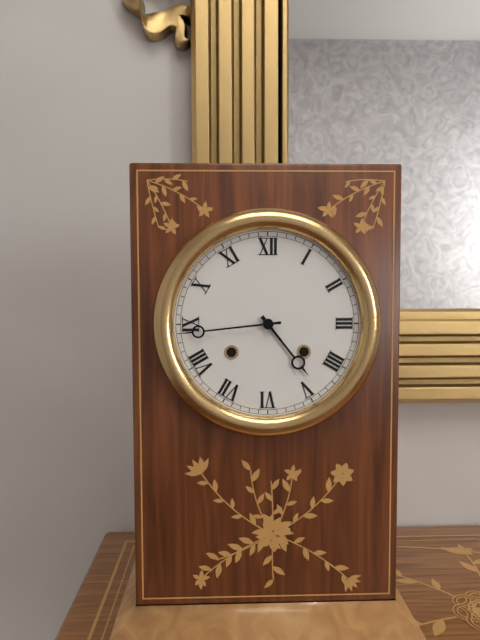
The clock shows 4.44
